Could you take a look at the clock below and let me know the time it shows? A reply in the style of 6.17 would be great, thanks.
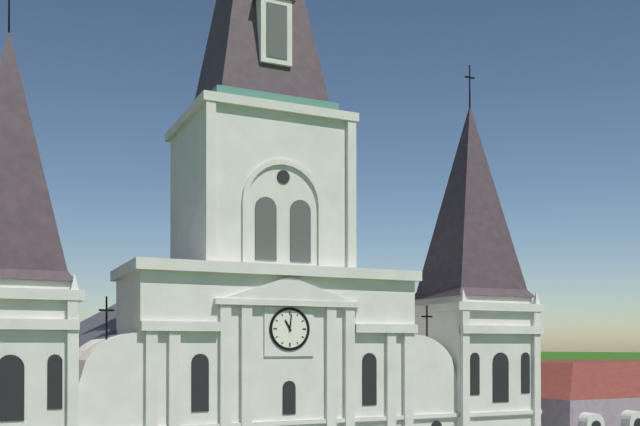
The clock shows 11.01
